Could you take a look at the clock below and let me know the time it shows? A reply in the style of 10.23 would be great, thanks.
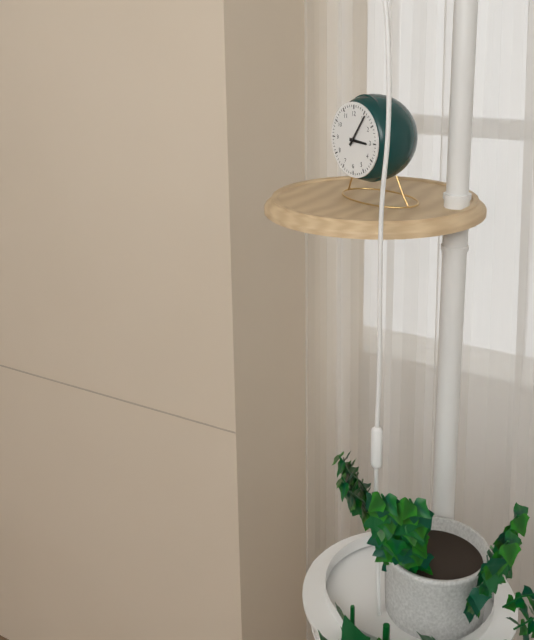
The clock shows 3.06
